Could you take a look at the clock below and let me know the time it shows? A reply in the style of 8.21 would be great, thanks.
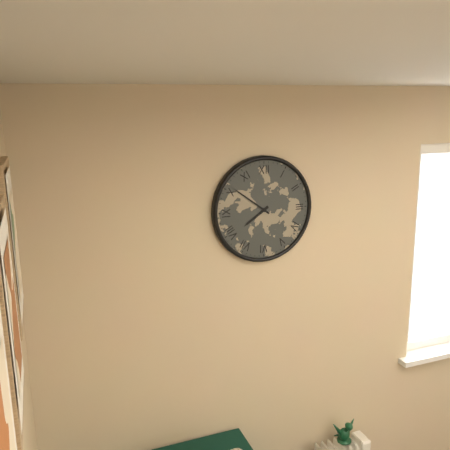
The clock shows 7.51
